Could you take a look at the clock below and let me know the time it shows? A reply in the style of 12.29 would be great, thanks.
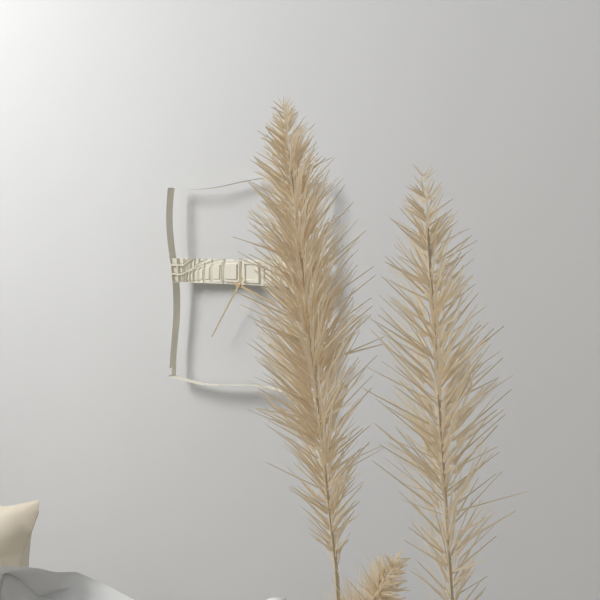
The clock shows 3.36
